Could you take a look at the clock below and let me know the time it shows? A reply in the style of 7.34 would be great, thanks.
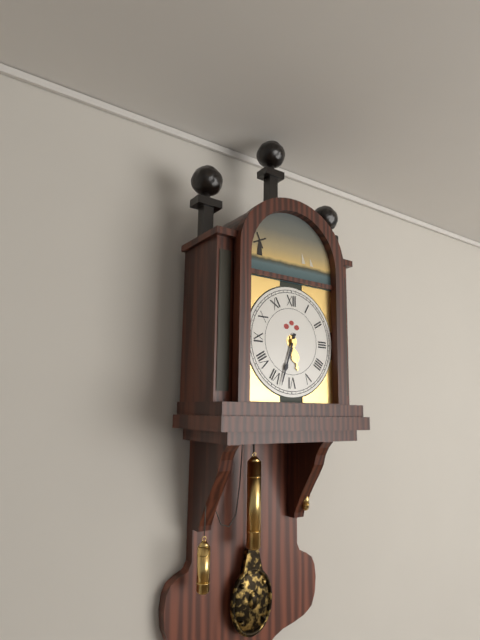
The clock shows 5.33
